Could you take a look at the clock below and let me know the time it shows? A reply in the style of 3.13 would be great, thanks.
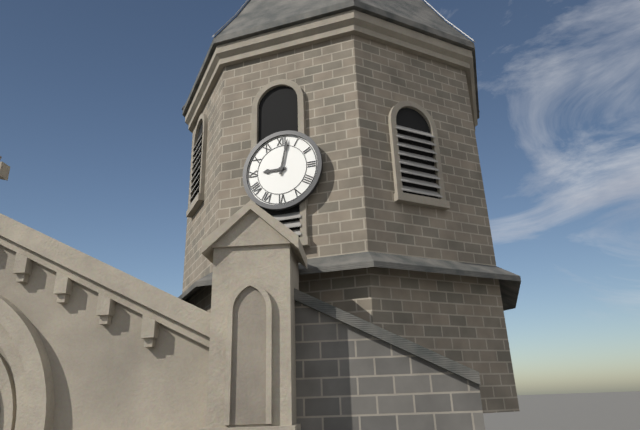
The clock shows 9.02
